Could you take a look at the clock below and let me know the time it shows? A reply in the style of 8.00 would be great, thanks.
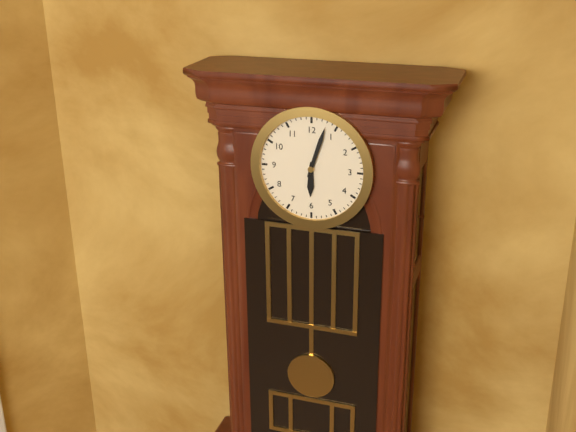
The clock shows 6.03
